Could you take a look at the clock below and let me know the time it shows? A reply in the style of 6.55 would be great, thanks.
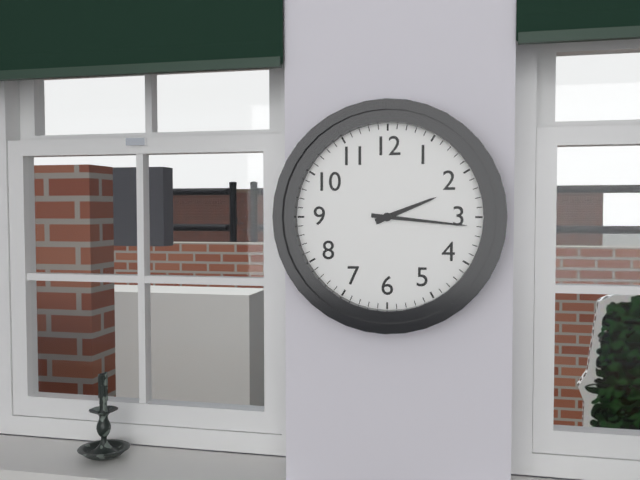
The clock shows 2.16
